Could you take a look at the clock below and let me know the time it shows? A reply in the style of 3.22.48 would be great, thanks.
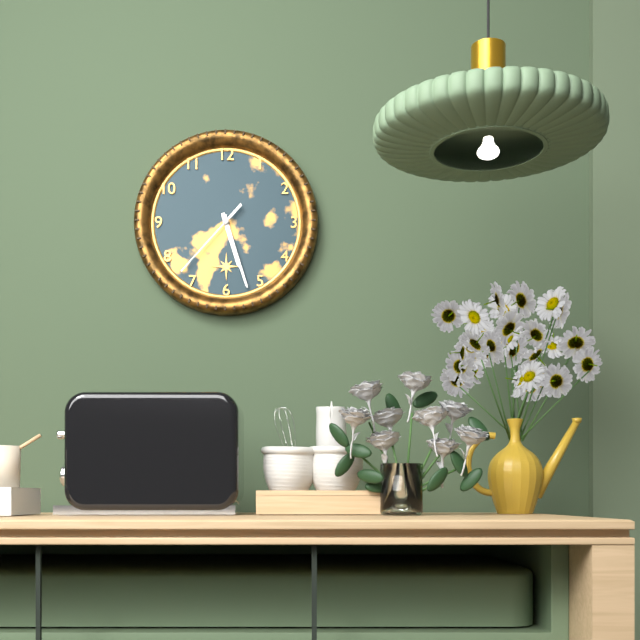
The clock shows 5.27.37
